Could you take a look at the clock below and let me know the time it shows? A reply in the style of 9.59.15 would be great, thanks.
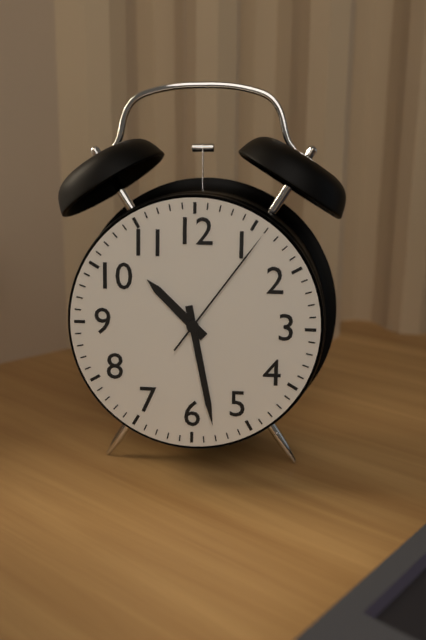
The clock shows 10.28.06
